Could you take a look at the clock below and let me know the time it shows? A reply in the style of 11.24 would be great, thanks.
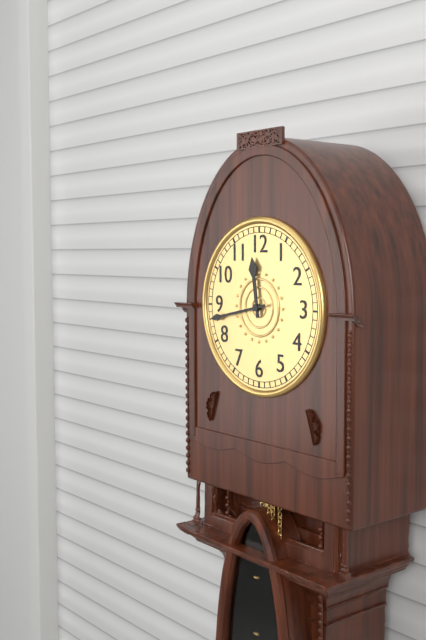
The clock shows 11.43
